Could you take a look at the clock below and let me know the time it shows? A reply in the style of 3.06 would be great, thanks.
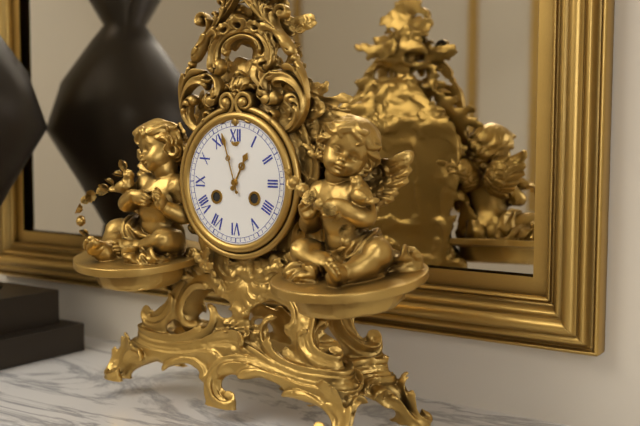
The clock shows 12.57
